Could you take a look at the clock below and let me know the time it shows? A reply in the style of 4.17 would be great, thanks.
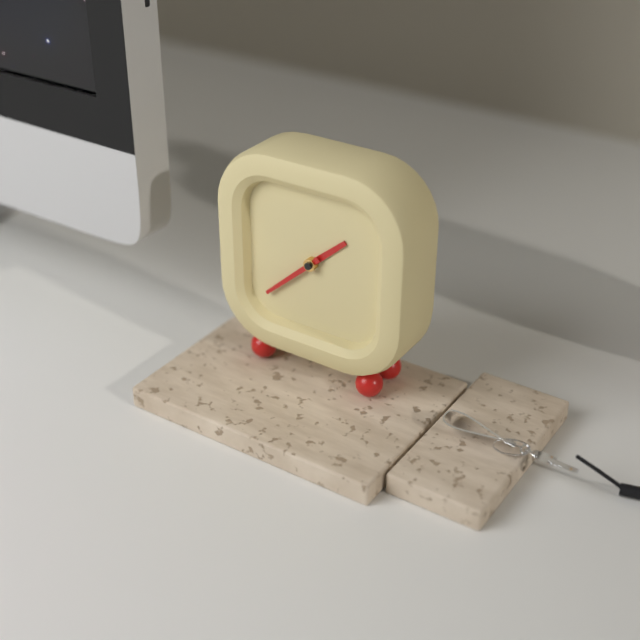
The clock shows 1.38
